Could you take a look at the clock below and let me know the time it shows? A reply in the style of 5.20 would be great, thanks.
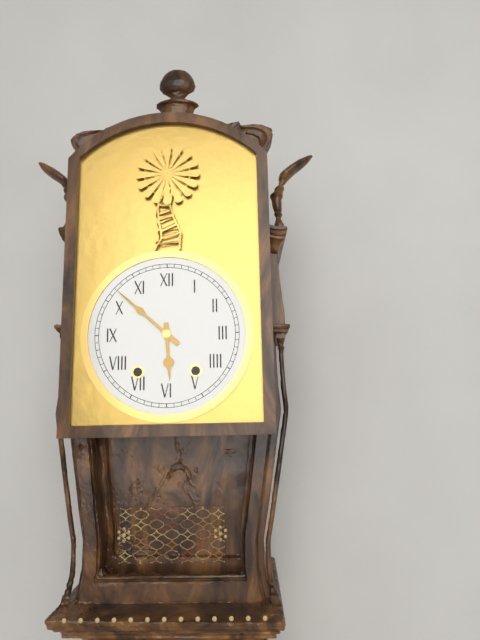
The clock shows 5.52
